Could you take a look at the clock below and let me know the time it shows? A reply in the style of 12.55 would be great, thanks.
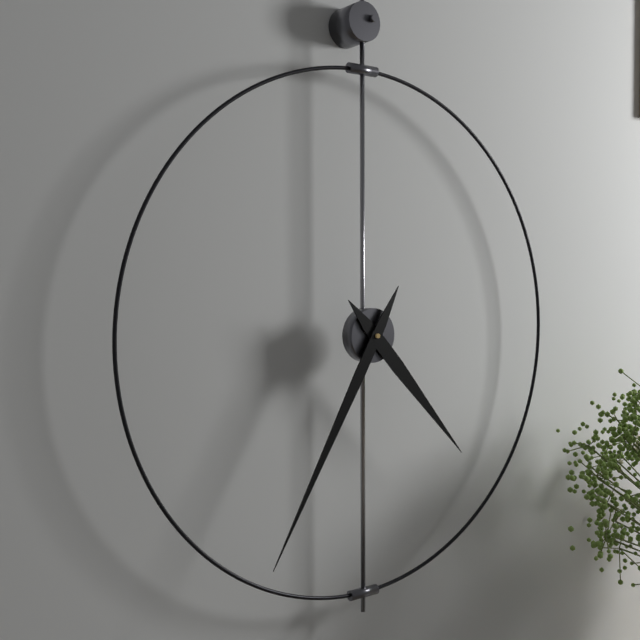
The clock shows 4.35
